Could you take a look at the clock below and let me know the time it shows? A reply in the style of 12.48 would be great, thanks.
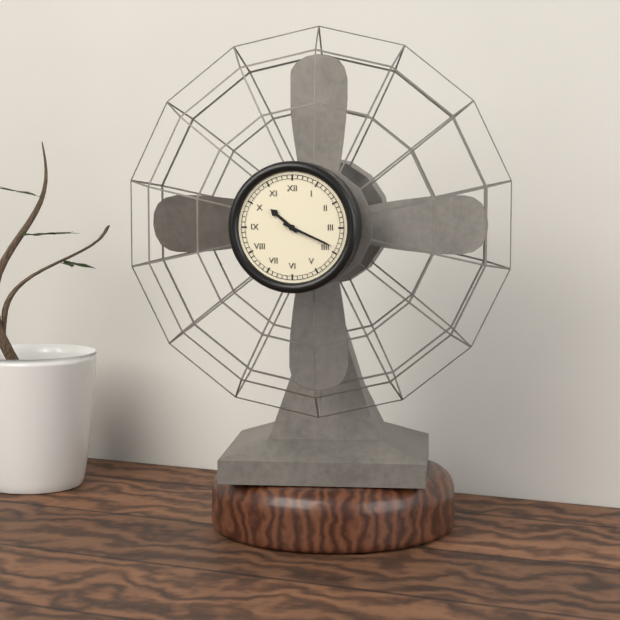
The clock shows 10.19
